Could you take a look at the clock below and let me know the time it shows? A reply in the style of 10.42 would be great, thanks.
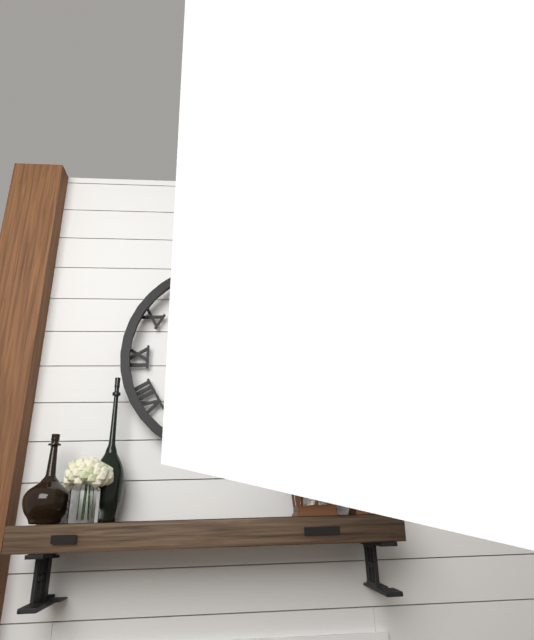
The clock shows 9.58
